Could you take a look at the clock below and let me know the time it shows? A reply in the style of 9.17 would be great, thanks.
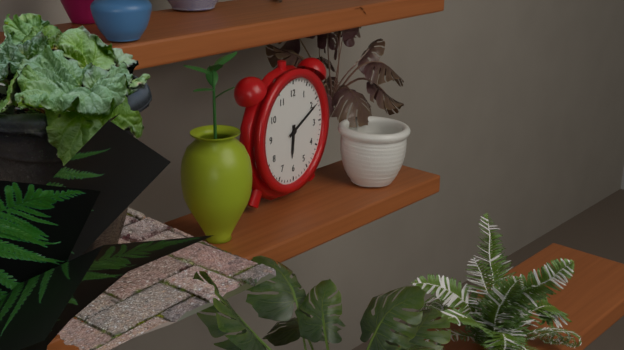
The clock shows 6.11
